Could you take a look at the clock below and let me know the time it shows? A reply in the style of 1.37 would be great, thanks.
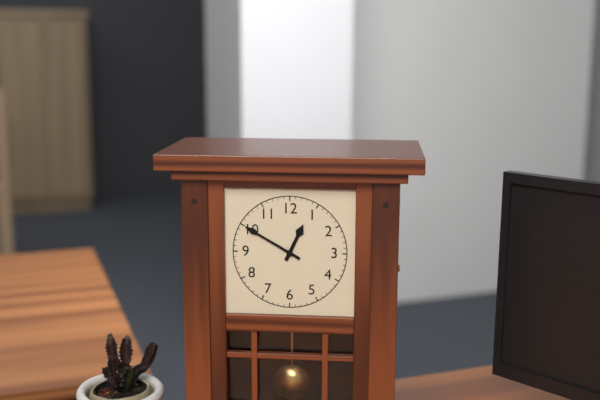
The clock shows 12.50
